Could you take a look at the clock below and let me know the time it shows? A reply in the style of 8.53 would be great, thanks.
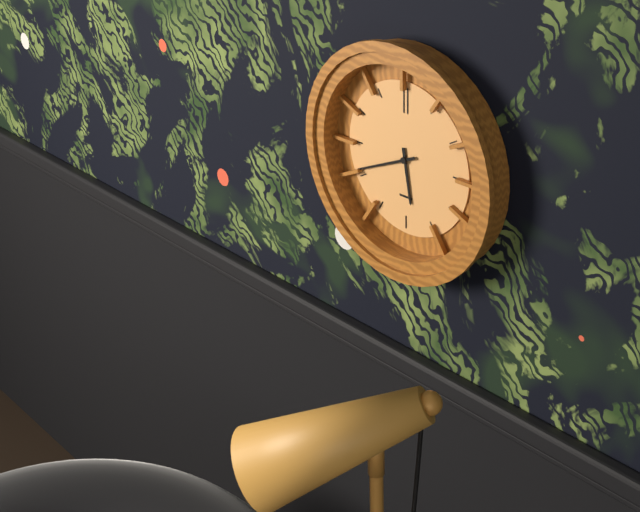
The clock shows 5.41
